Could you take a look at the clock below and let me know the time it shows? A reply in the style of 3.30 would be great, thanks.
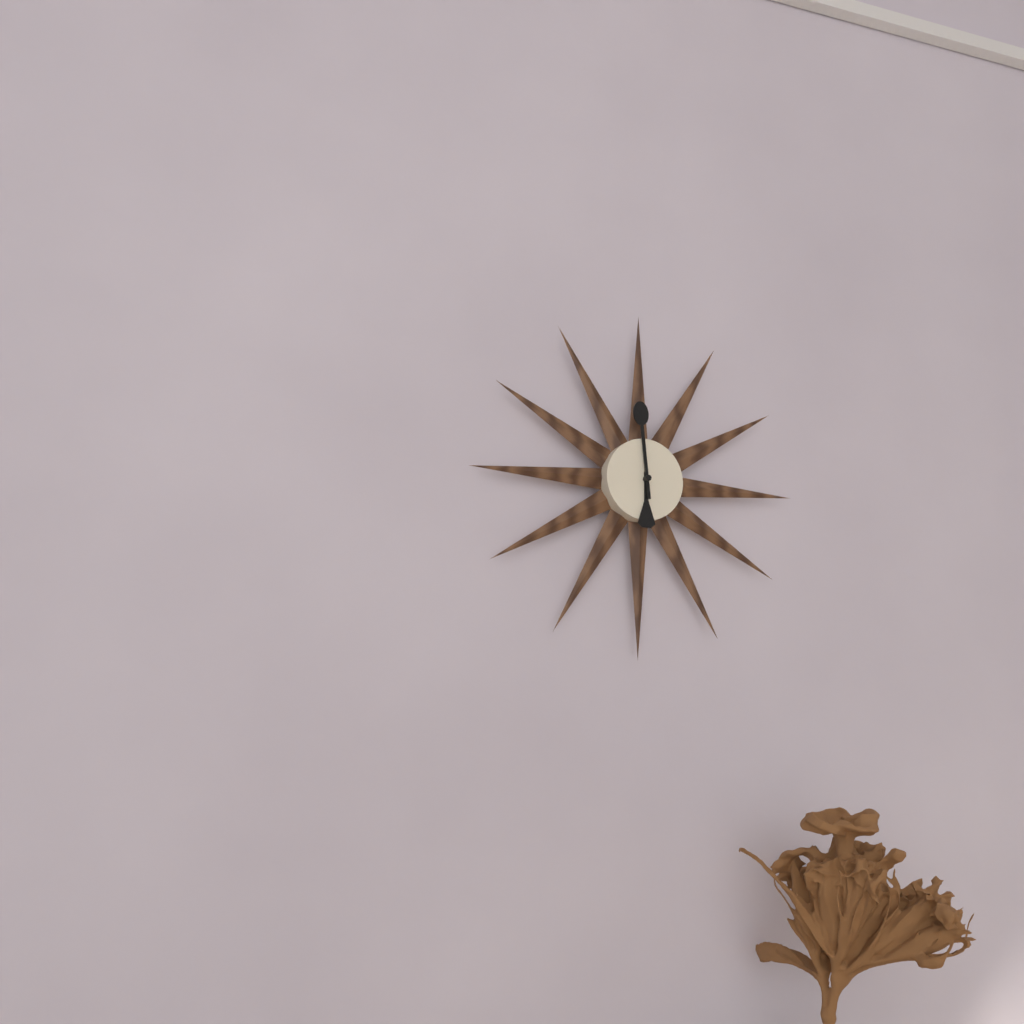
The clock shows 5.59
